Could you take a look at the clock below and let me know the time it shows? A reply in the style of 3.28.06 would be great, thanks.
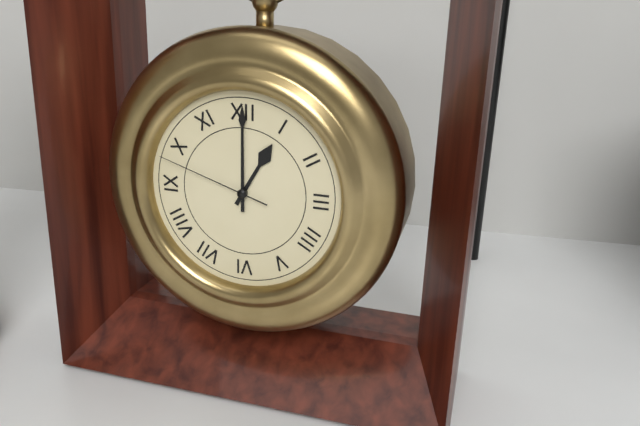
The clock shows 1.00.48
